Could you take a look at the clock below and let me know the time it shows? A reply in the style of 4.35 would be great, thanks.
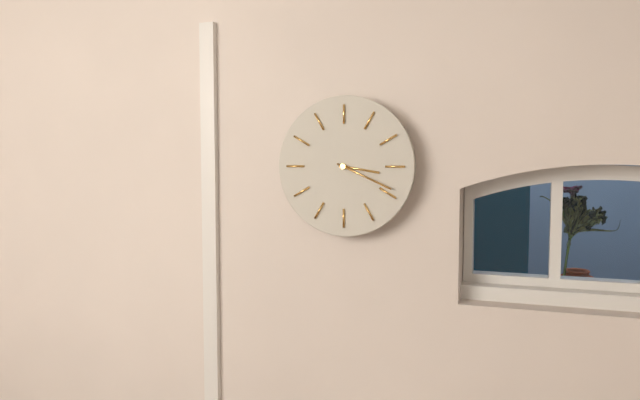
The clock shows 3.19
